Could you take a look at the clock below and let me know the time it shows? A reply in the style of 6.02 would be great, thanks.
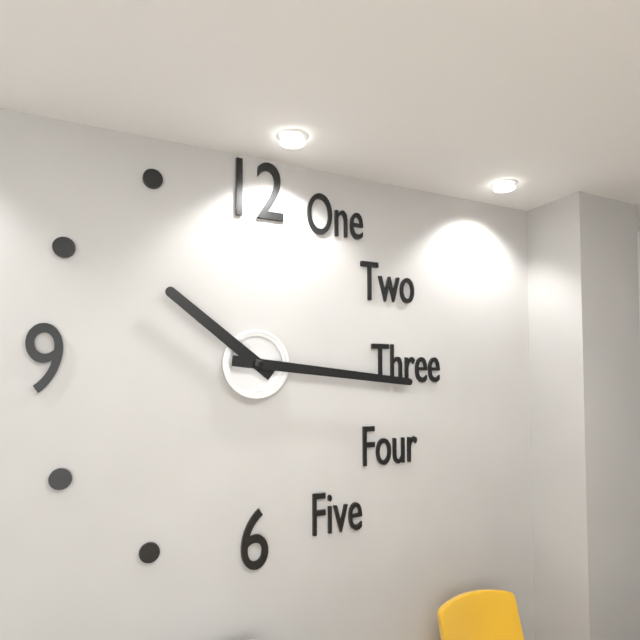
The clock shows 10.16
